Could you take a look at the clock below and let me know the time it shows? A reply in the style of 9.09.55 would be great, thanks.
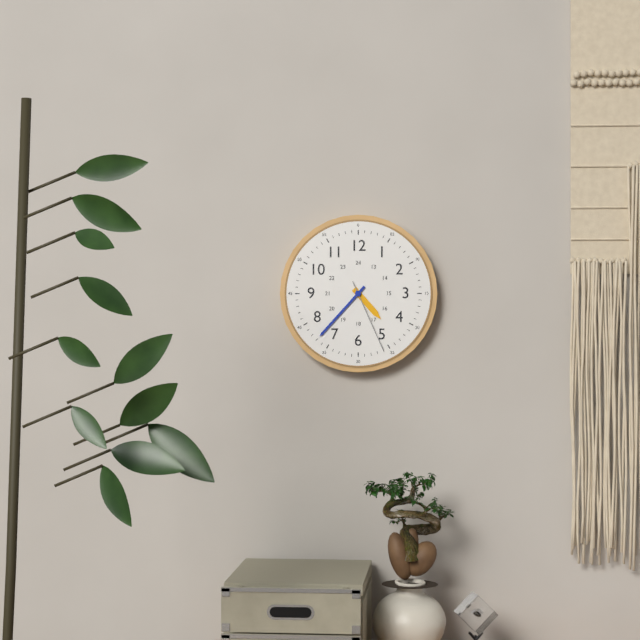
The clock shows 4.37.26
